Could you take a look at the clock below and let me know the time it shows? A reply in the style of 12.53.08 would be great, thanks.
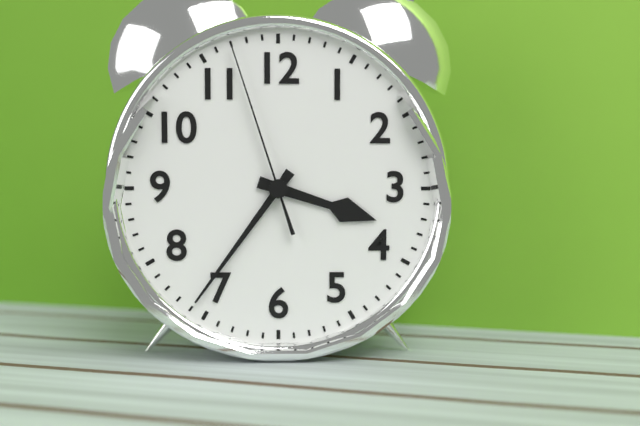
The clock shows 3.36.57
